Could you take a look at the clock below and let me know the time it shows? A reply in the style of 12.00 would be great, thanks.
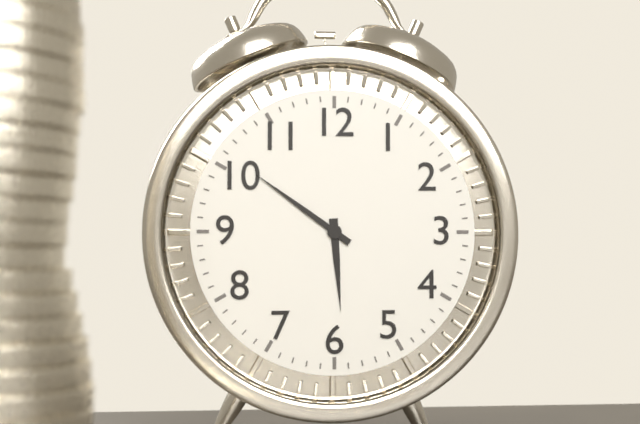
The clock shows 5.51
